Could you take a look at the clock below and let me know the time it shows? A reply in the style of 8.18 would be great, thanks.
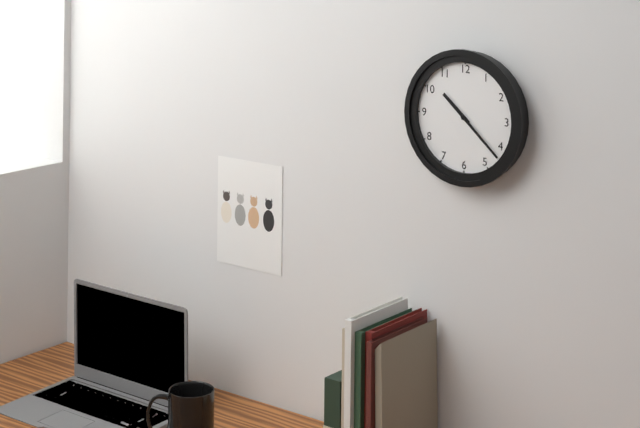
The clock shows 10.22
